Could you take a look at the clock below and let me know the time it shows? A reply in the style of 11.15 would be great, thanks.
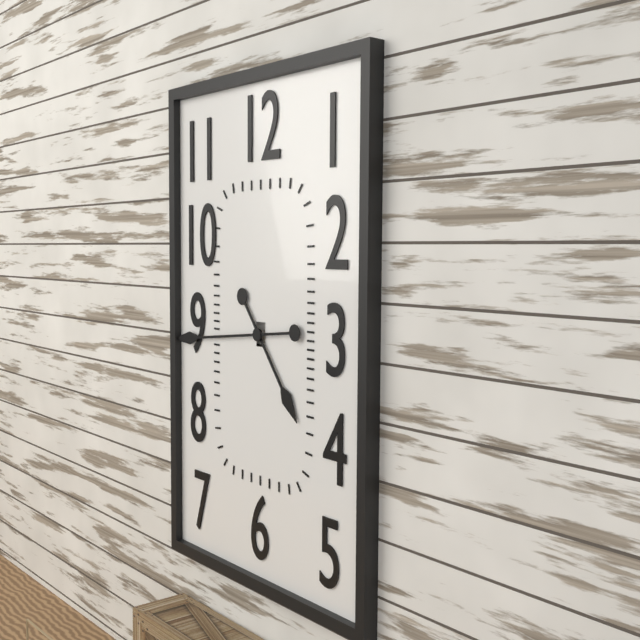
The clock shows 4.44
